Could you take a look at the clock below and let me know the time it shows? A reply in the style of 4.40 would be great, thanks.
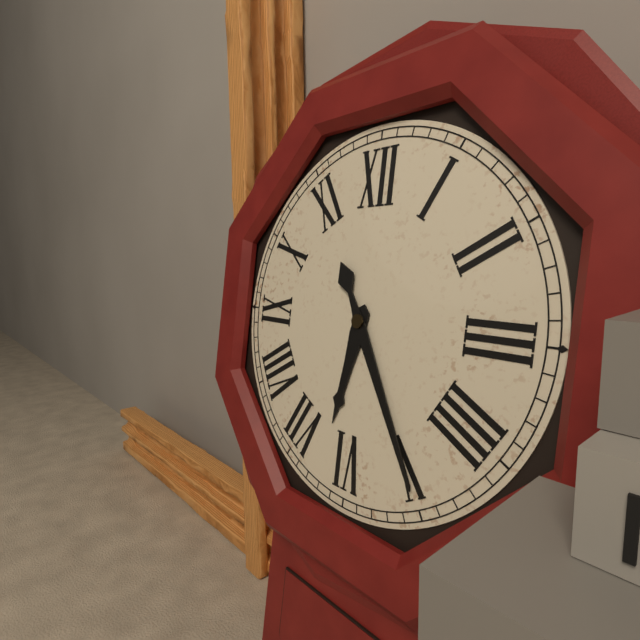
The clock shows 6.25
